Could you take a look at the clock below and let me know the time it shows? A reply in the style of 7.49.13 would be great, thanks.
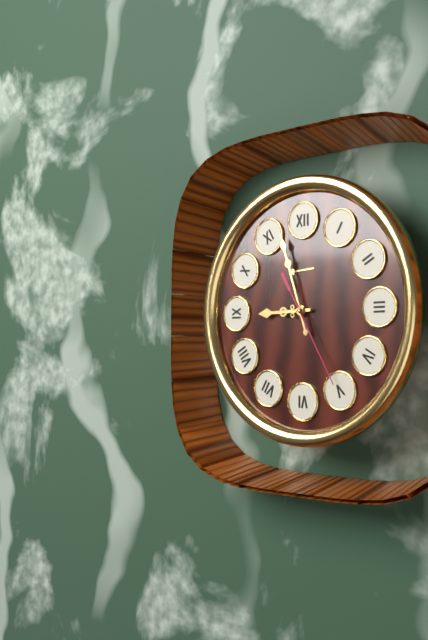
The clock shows 8.57.25
